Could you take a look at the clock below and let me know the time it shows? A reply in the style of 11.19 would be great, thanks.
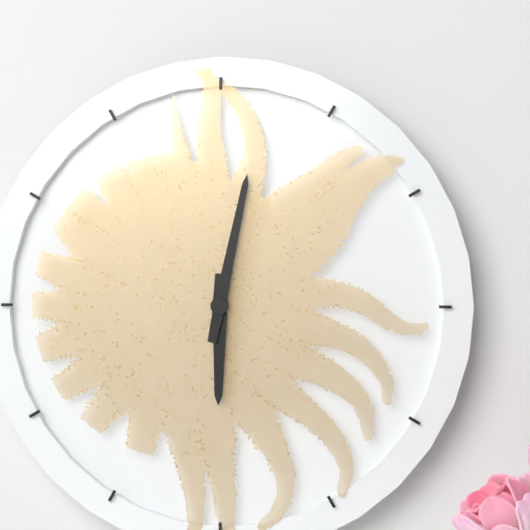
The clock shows 6.02
